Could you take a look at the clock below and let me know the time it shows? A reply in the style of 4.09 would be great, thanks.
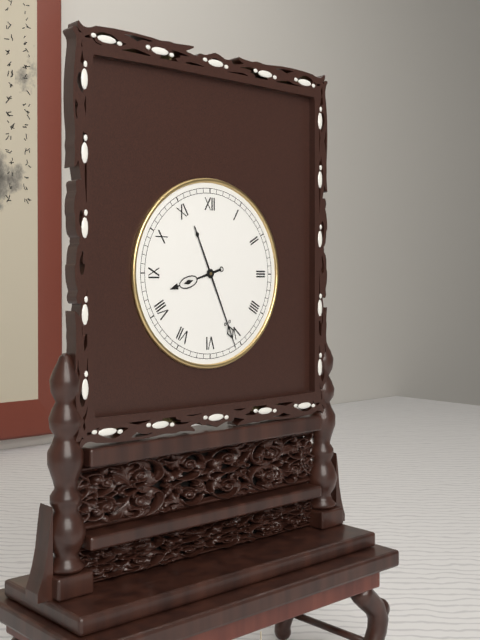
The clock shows 8.26
